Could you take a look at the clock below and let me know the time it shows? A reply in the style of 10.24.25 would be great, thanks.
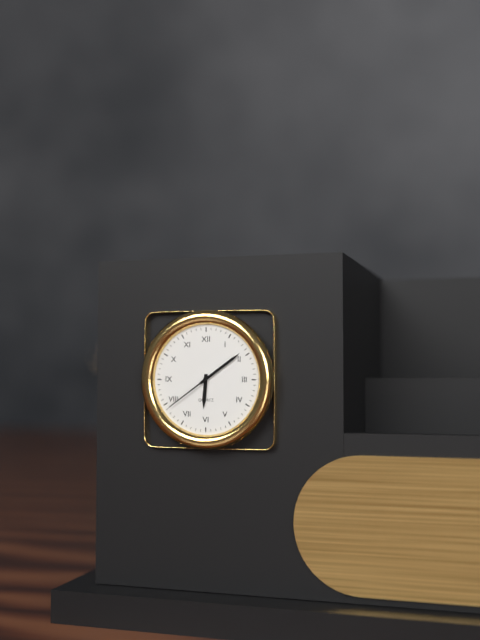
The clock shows 6.09.39
